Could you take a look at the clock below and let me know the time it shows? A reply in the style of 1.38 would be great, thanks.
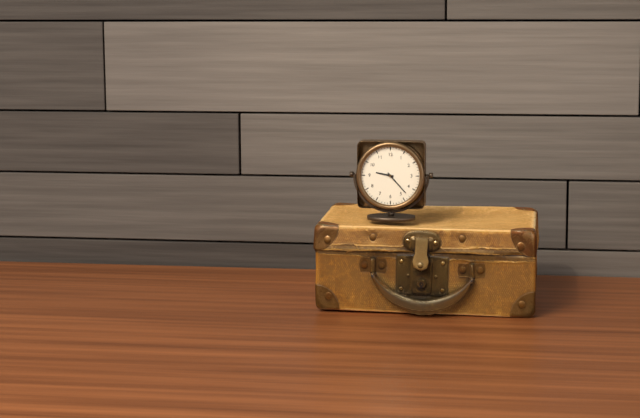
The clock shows 9.23
